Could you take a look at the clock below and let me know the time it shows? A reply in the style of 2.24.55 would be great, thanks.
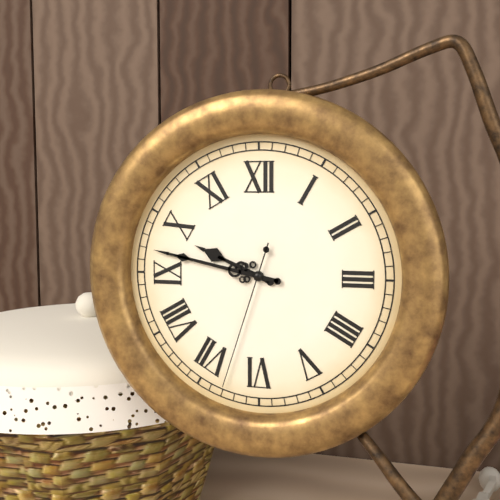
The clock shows 9.47.33
